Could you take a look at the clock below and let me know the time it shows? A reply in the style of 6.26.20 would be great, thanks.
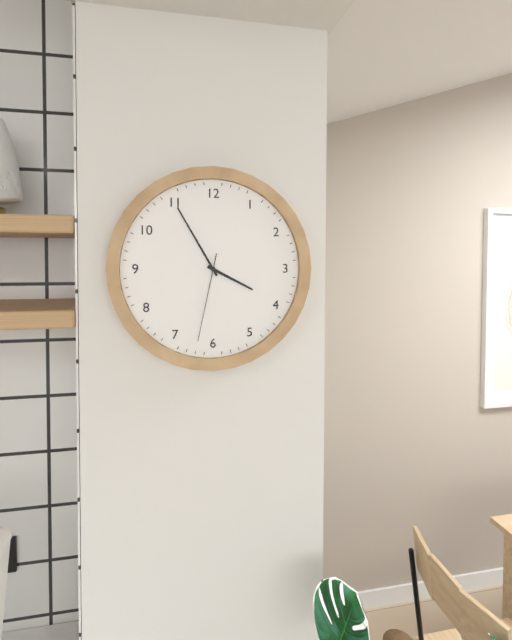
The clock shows 3.55.32
